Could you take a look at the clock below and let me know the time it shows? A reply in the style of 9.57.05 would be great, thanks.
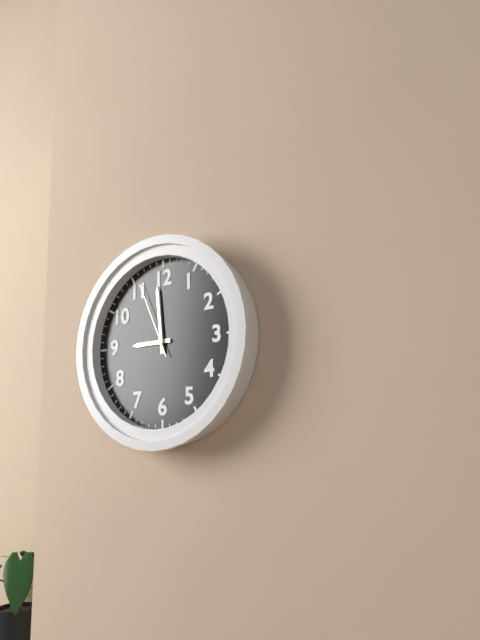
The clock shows 8.59.56
